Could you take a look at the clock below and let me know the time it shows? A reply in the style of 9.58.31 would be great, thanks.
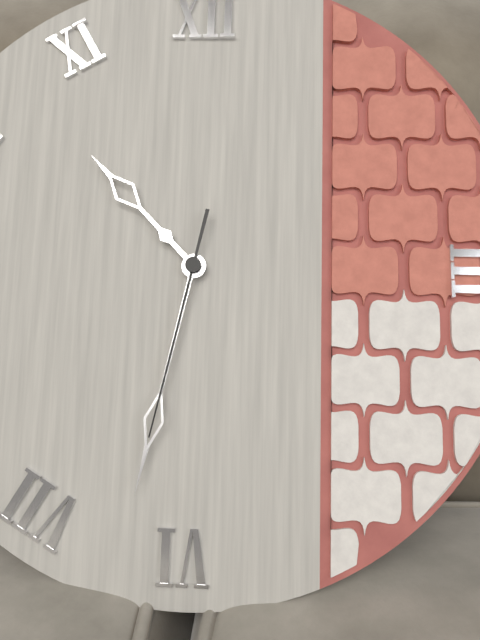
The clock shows 10.32.32
